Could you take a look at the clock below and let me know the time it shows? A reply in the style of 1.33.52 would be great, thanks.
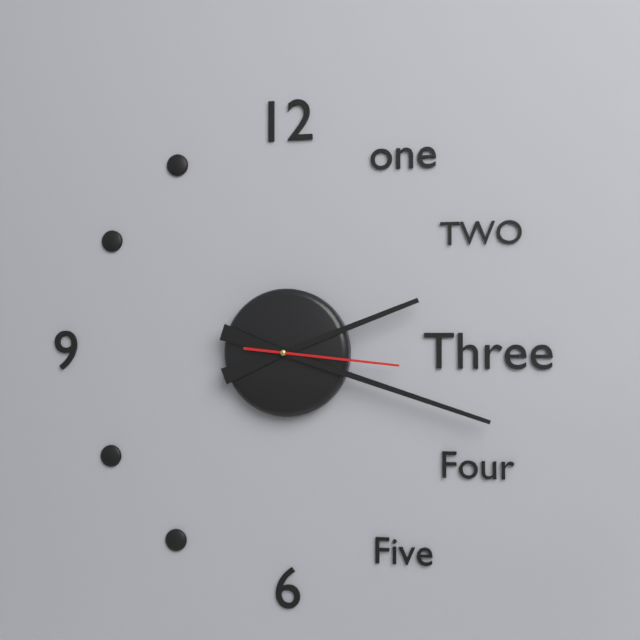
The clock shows 2.18.16
